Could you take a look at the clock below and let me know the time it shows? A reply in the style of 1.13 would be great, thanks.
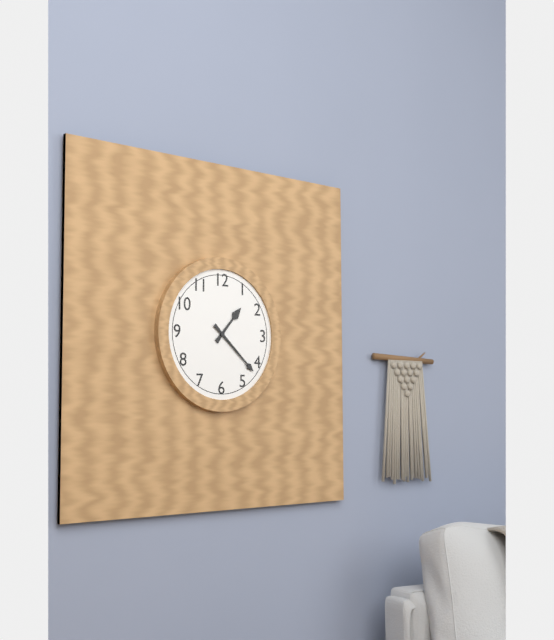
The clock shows 1.22
